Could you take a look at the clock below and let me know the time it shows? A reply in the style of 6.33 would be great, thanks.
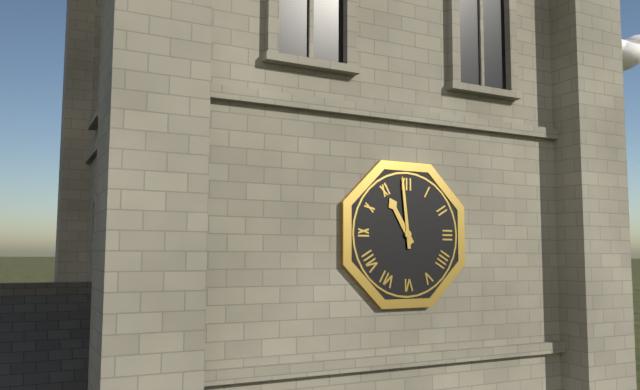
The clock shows 10.59
